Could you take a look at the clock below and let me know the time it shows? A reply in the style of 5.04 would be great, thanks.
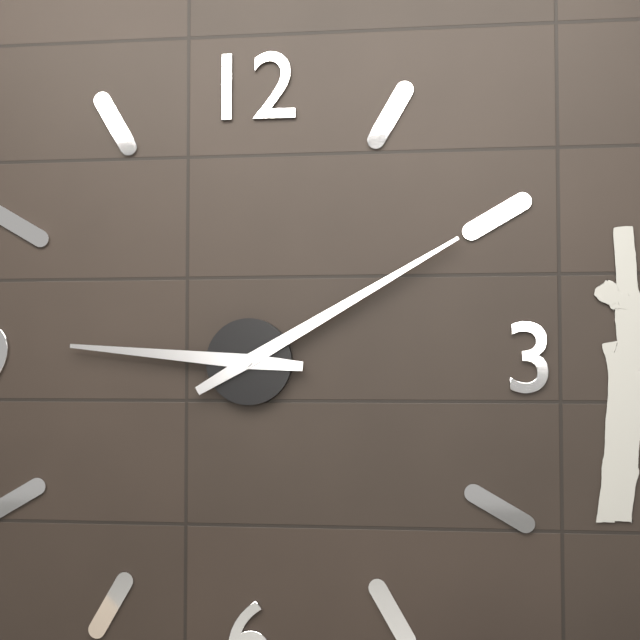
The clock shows 9.10
